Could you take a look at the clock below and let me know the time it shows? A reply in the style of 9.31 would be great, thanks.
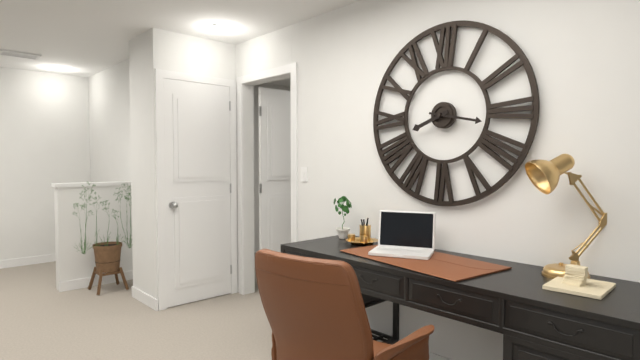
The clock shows 8.17
